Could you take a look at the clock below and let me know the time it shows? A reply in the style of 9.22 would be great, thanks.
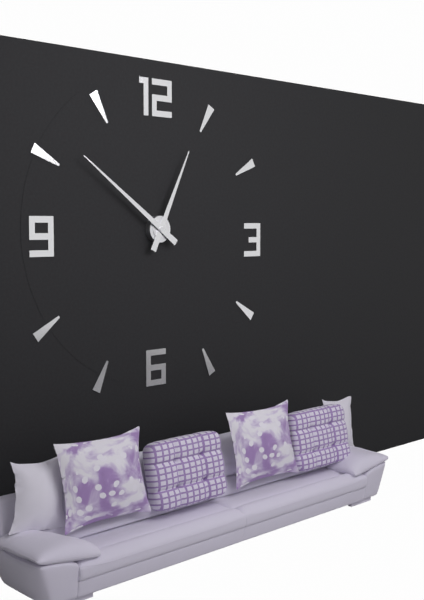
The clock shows 12.51
